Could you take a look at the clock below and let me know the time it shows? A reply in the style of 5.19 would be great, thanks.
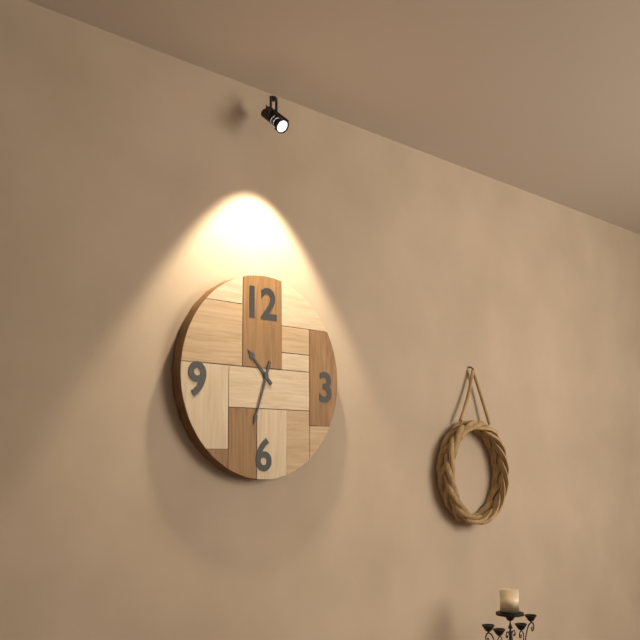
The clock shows 10.33
